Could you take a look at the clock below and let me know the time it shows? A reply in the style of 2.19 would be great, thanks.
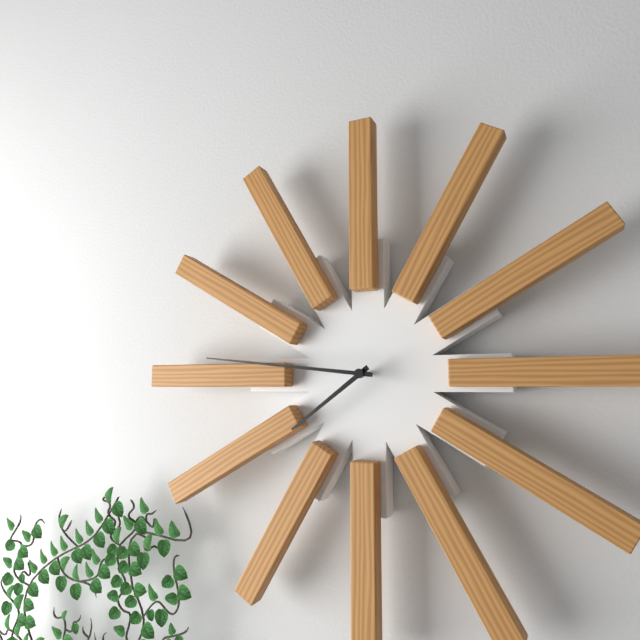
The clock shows 7.46
